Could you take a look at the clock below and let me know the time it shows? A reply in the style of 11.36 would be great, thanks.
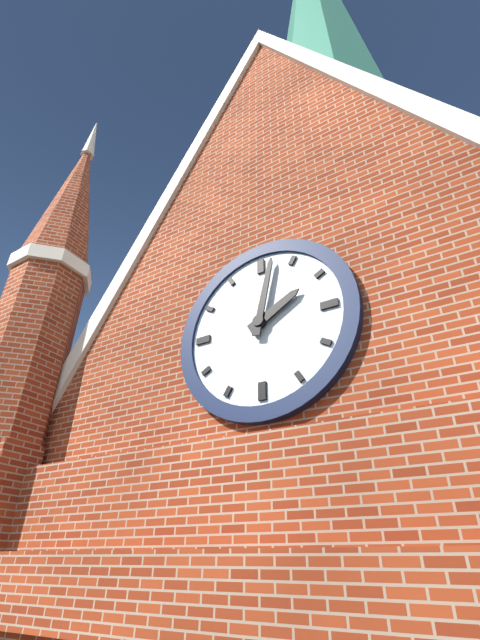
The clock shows 2.02
